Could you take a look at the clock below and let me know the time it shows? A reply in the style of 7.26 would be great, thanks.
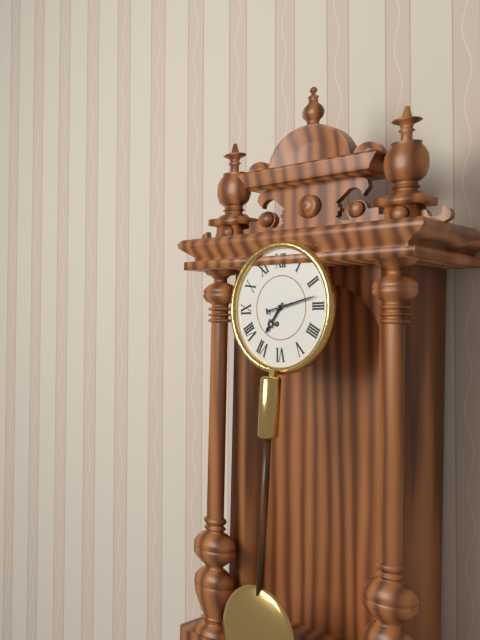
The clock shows 7.13
